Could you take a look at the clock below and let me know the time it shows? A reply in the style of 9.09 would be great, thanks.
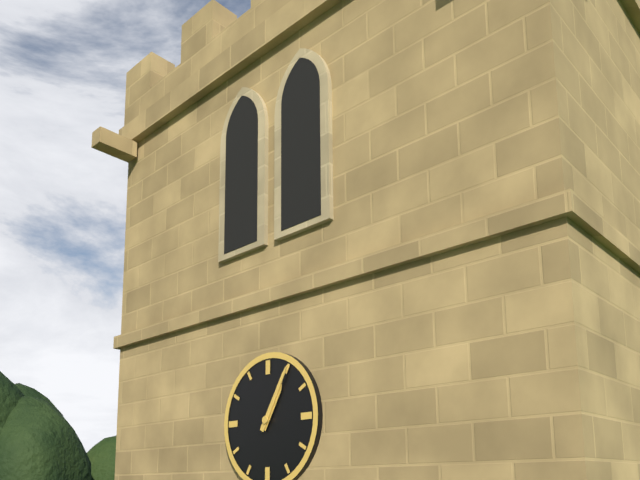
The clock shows 1.05
